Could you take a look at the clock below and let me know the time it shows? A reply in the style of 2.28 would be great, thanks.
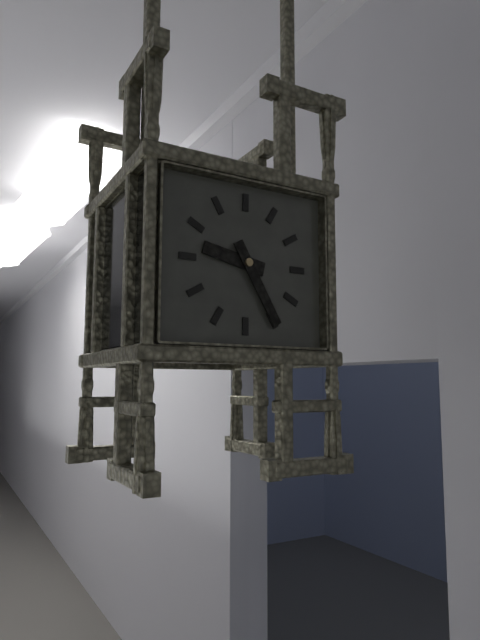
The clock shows 9.25
